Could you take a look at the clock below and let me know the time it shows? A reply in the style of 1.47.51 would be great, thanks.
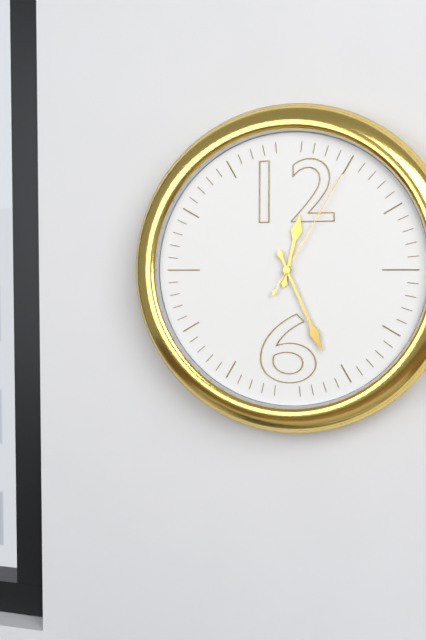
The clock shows 12.26.05
